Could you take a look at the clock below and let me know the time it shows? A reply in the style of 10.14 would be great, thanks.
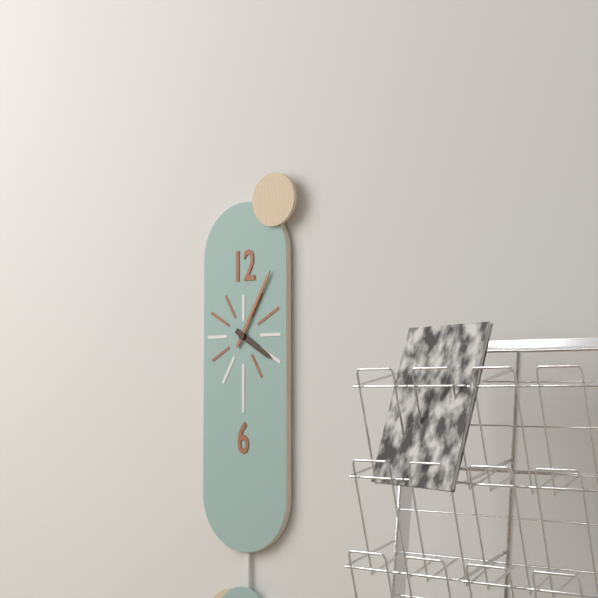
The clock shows 4.05
